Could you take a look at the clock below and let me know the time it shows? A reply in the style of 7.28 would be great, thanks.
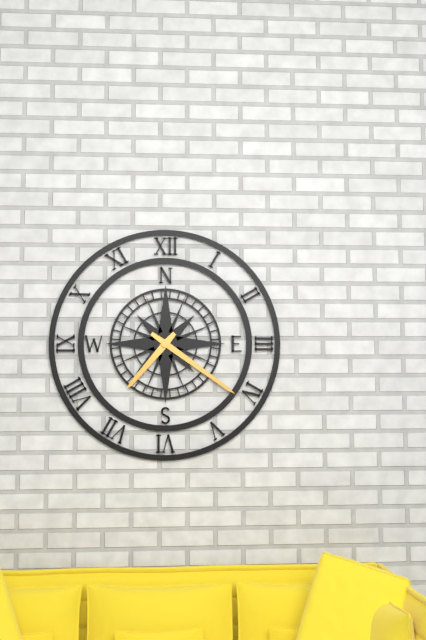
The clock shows 7.21
